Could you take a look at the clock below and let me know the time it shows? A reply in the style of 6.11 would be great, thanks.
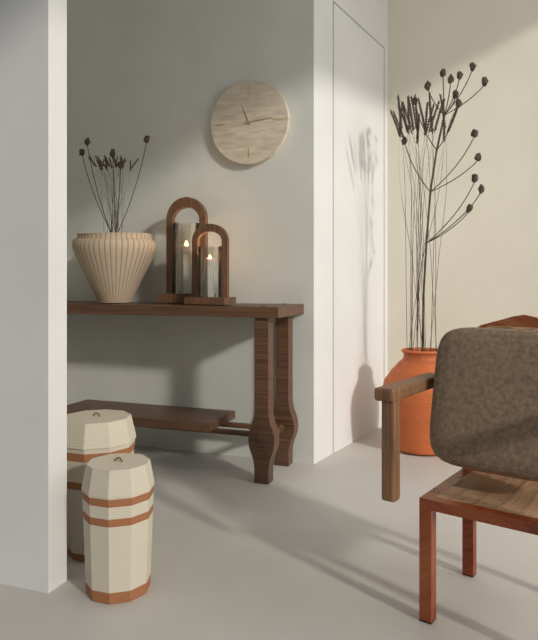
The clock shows 11.14
